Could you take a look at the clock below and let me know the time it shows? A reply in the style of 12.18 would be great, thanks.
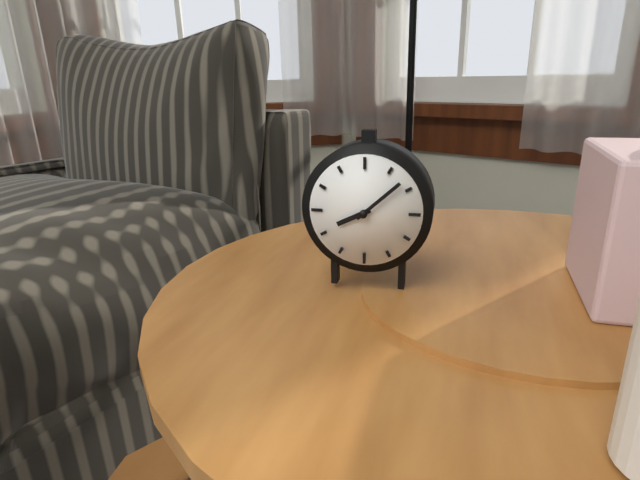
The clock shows 8.08
